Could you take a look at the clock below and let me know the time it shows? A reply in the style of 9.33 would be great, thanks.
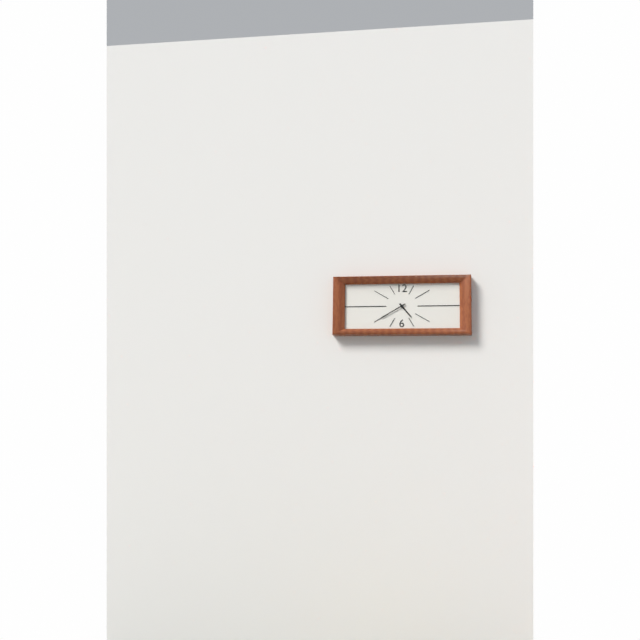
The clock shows 4.40
